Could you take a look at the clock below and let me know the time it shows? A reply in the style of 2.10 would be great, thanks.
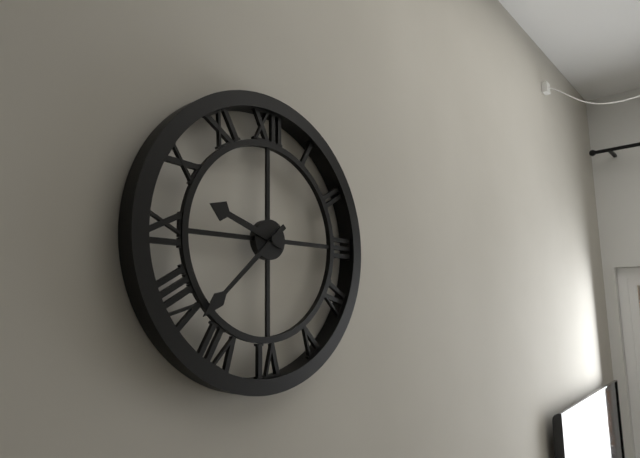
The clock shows 9.38
